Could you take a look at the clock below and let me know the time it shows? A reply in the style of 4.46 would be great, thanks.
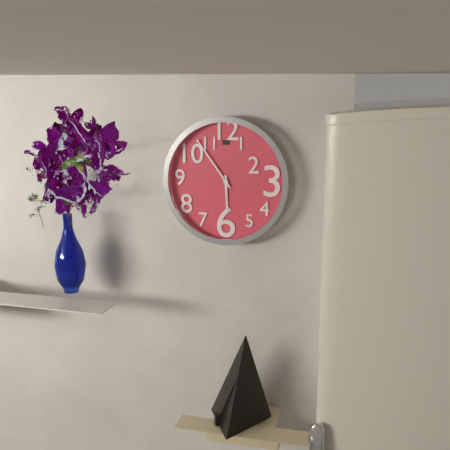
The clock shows 5.54
